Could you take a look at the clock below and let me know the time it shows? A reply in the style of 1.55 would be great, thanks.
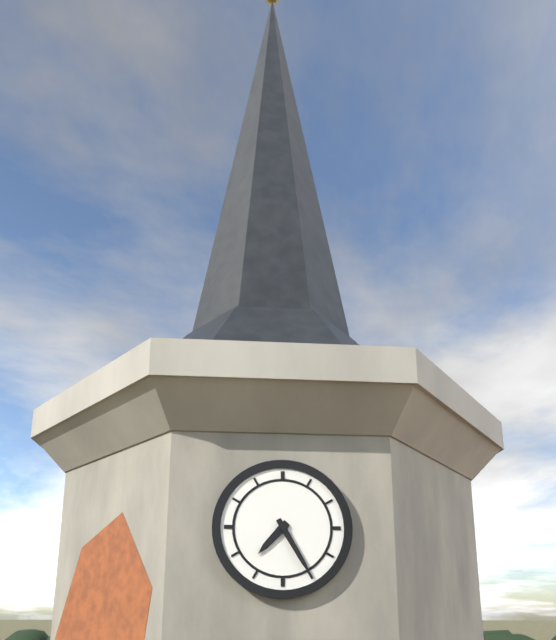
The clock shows 7.25
